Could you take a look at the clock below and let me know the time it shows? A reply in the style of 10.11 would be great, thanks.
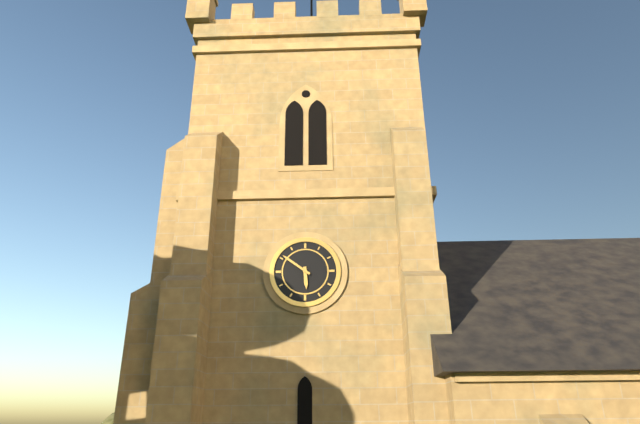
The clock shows 5.51
